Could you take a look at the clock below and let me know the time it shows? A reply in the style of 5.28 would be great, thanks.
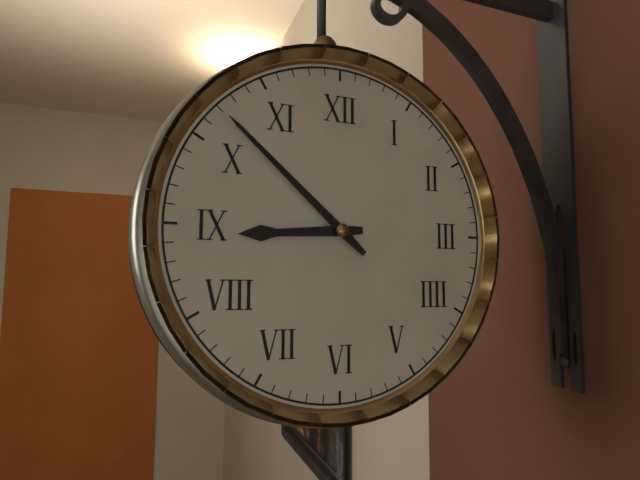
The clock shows 8.52
